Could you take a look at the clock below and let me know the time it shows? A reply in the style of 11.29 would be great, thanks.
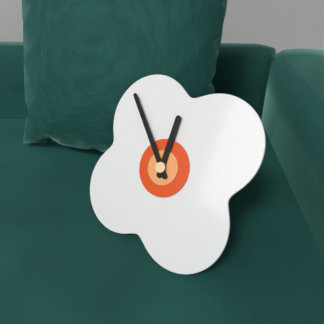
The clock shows 11.52
